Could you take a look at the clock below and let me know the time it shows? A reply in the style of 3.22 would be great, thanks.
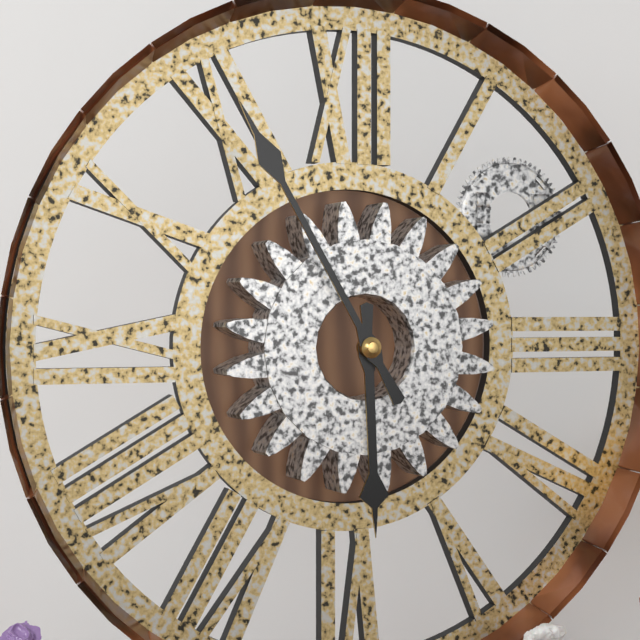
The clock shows 5.55
